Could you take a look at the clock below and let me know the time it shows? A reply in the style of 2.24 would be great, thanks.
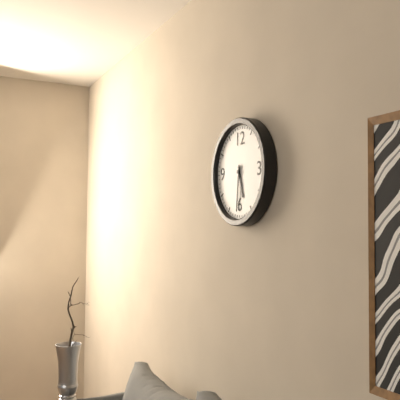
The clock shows 5.31
